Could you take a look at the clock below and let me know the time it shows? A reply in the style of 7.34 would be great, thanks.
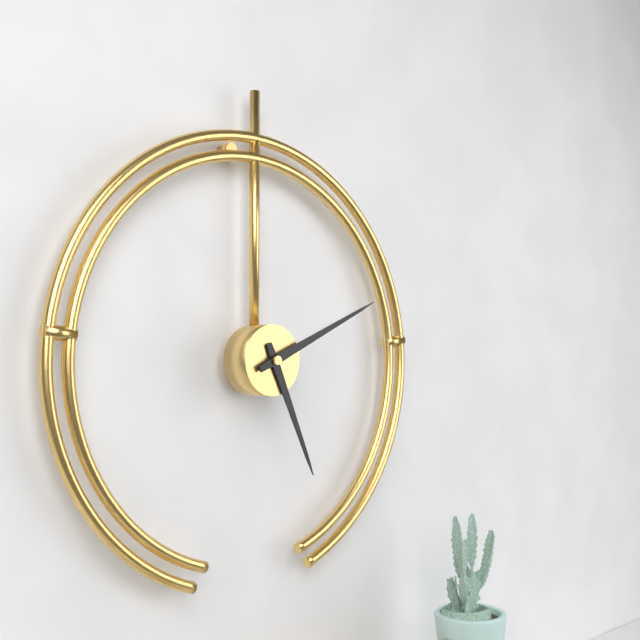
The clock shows 5.11
